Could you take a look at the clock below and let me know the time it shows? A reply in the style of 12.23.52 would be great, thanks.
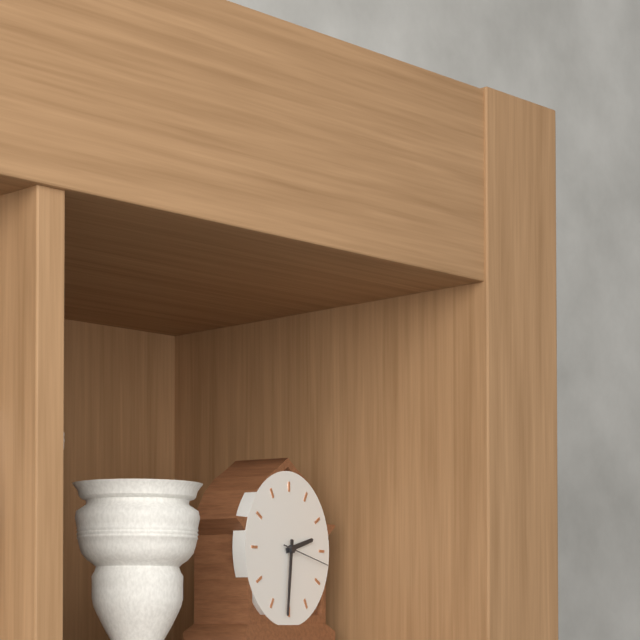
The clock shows 2.31.17
